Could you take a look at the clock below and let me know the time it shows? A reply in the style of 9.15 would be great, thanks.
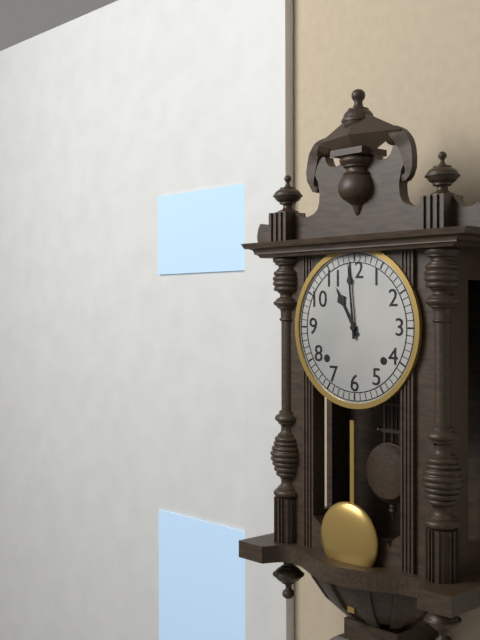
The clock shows 10.59
